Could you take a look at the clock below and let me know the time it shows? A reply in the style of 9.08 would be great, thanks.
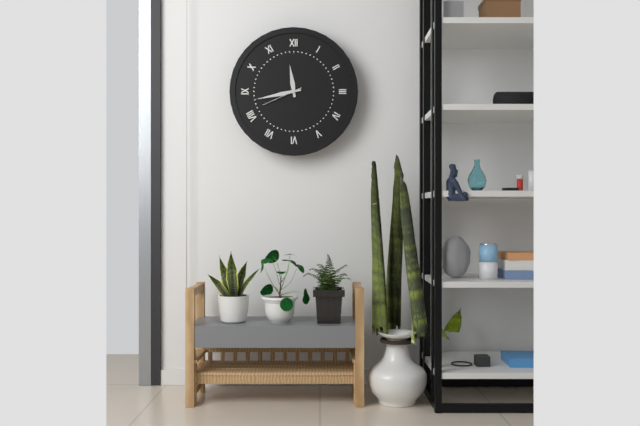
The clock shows 11.43
